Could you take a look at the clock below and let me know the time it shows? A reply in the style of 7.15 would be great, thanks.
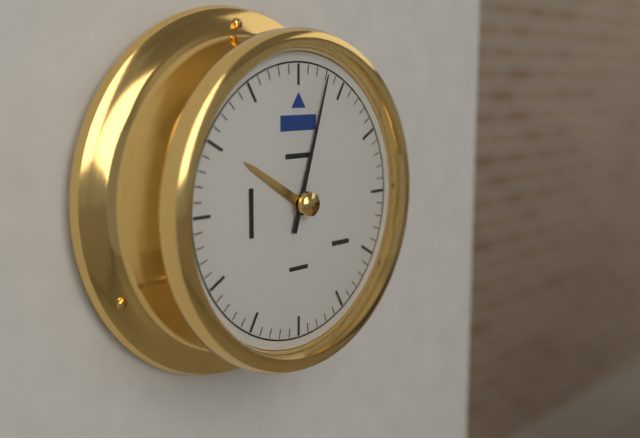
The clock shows 10.03
